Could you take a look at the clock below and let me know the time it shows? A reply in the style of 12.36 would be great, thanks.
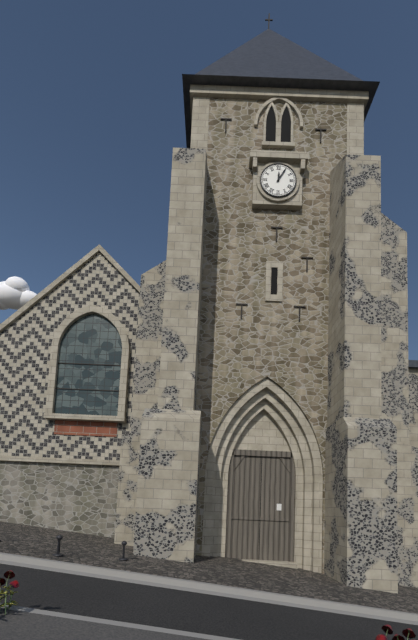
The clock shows 12.05
